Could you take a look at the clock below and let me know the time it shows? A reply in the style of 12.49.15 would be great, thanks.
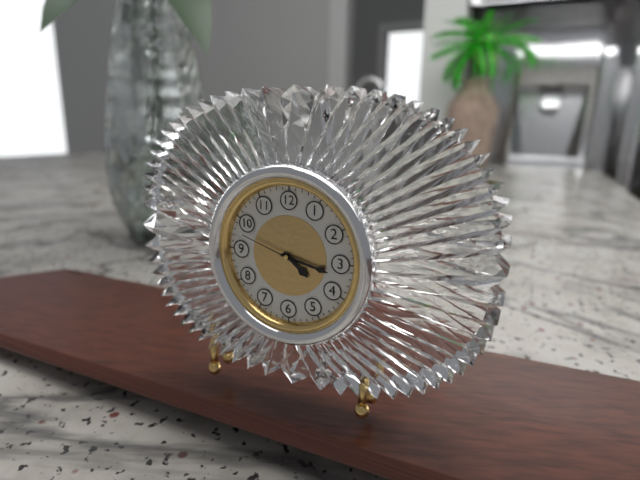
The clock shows 4.17.48
